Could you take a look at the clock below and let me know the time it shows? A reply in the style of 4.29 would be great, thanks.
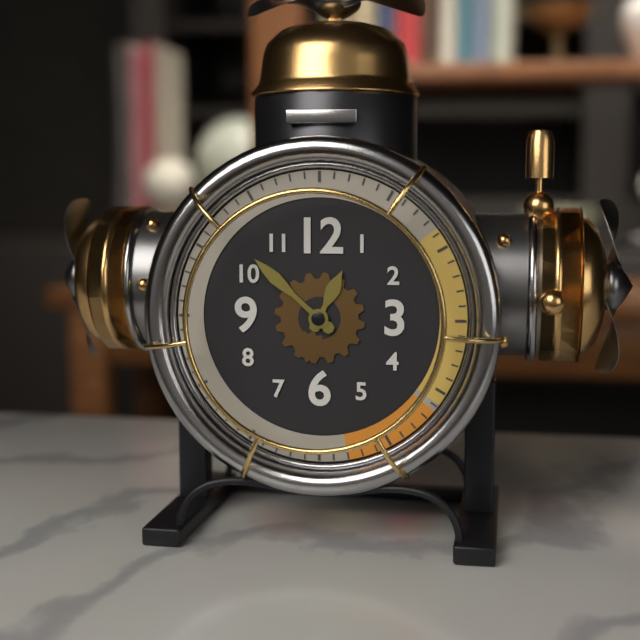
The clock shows 12.52
